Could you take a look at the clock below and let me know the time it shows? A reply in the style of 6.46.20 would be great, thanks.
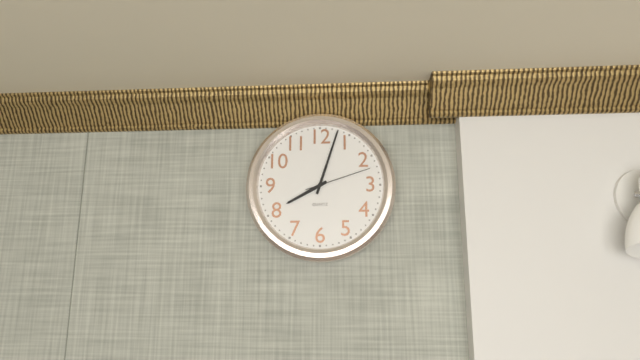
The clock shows 8.03.12
